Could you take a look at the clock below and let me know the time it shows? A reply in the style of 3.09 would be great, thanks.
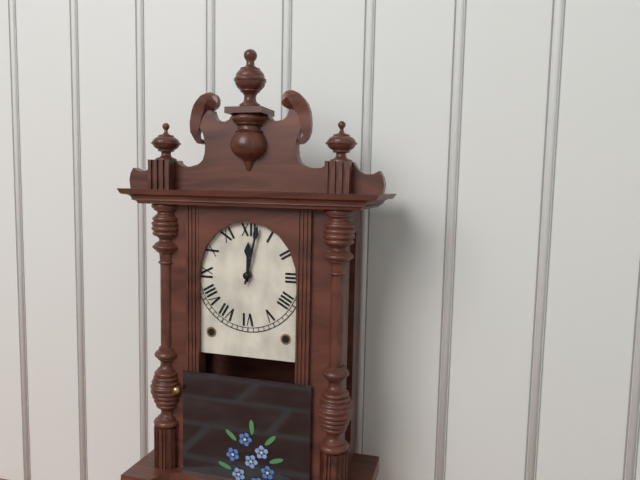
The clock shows 12.02
